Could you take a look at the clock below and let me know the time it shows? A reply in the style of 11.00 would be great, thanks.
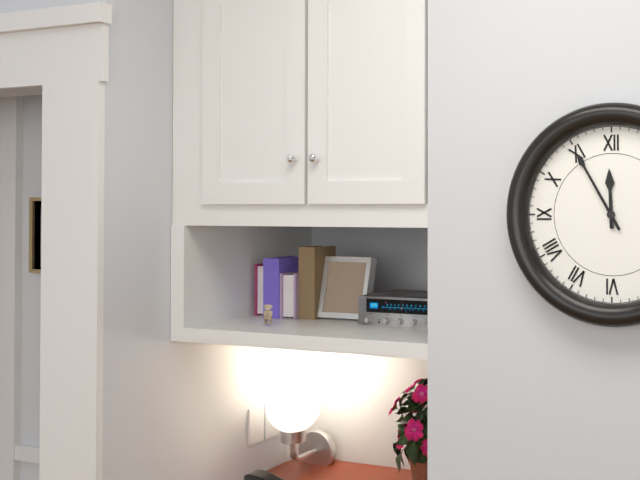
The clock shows 11.55
